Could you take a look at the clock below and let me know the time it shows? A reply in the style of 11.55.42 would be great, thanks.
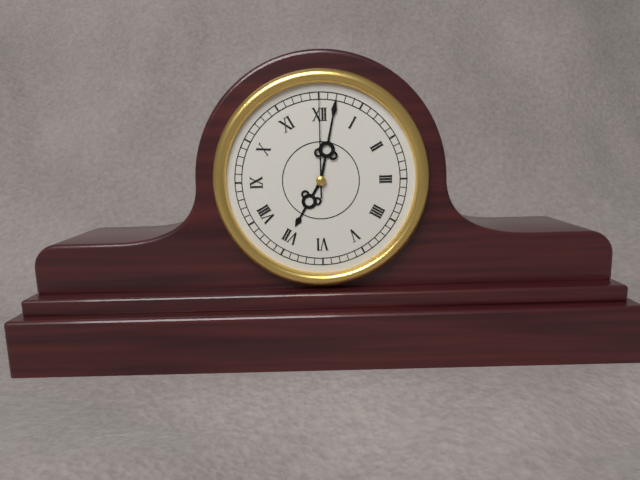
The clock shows 7.02.00
